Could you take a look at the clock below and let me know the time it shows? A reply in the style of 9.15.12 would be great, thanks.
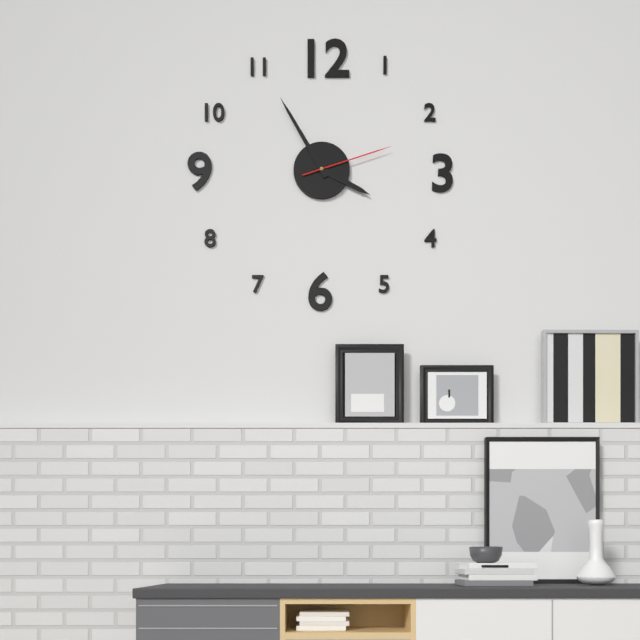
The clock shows 3.55.12
